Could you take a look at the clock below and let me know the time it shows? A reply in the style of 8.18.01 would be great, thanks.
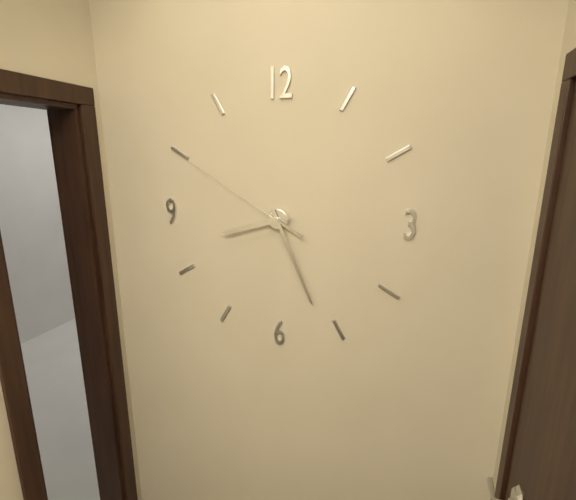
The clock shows 8.26.50
